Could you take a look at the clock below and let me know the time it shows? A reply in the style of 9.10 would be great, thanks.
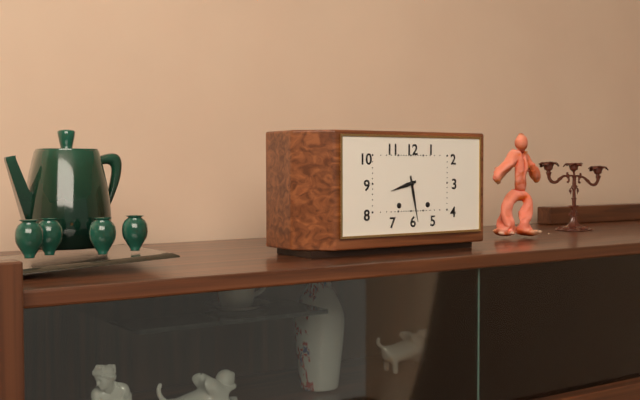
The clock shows 8.28
